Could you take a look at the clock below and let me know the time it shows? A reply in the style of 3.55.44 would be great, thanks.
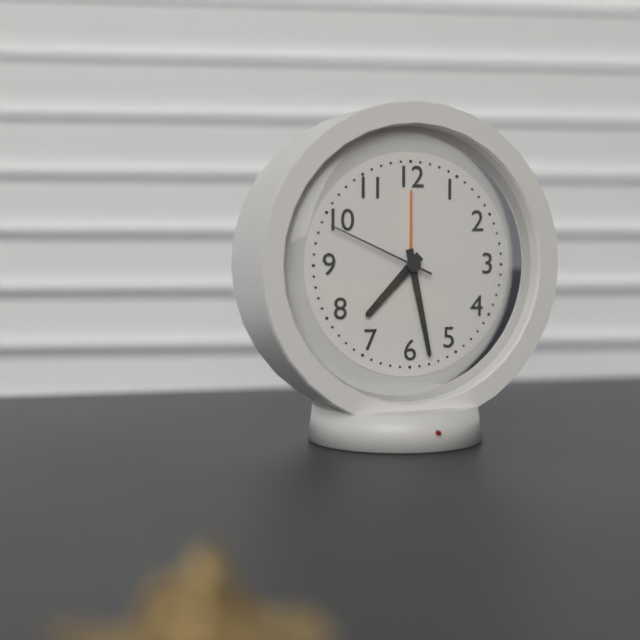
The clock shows 7.28.49
